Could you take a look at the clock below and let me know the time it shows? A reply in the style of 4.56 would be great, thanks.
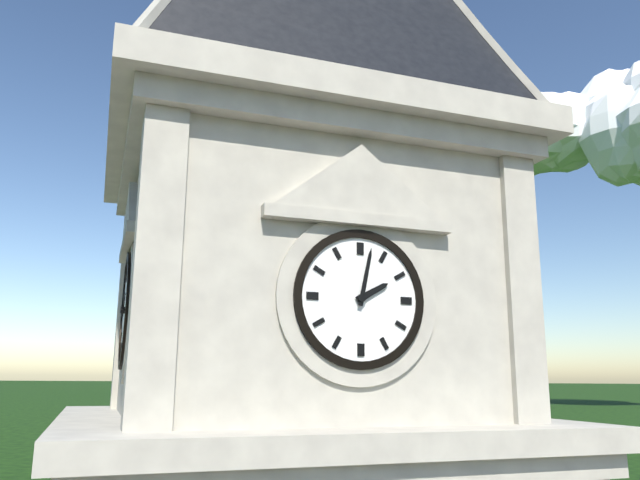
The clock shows 2.02
